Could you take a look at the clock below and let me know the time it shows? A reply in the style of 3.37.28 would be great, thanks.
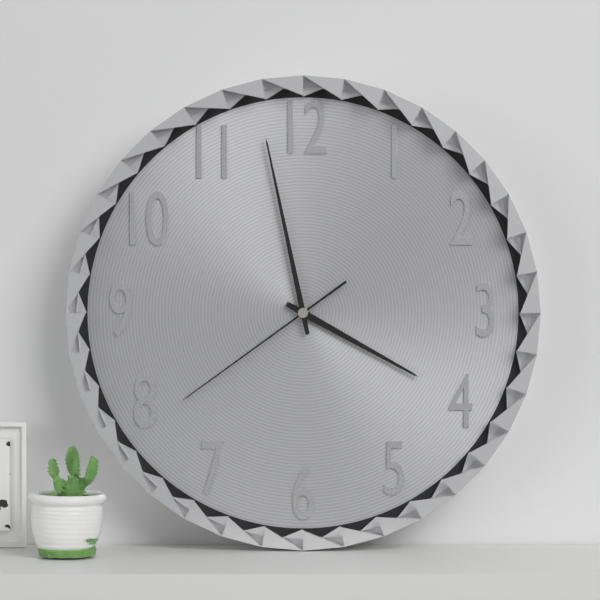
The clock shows 3.58.39
